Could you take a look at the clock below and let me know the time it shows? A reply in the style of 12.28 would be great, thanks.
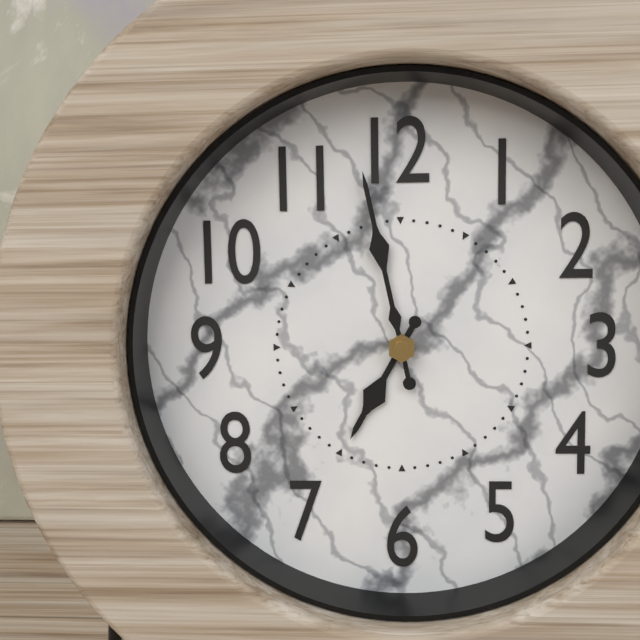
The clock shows 6.58
